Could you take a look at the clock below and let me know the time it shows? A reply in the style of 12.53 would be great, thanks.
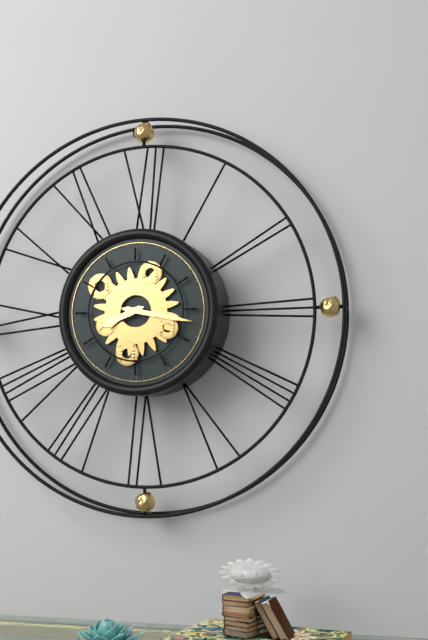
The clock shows 8.17
